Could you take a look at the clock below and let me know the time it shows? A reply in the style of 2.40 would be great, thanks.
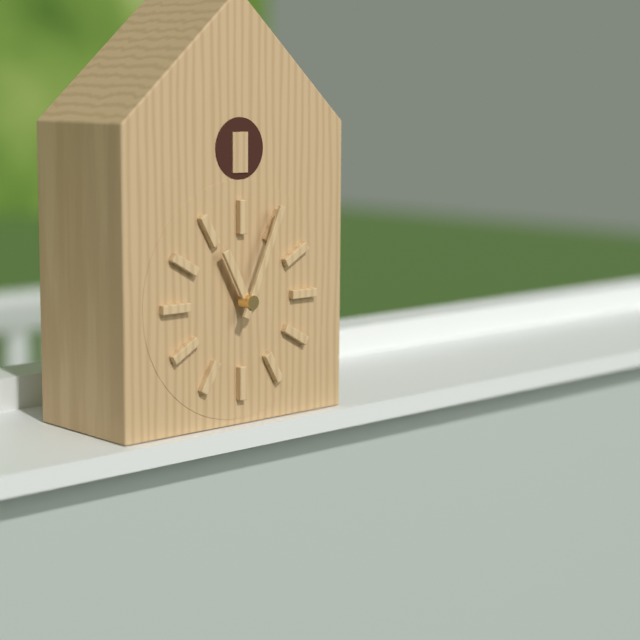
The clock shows 11.04
